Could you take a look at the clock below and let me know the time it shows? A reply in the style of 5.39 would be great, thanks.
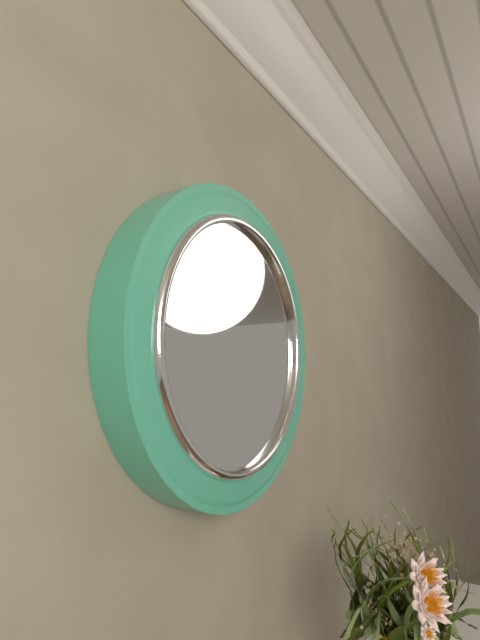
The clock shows 3.31
